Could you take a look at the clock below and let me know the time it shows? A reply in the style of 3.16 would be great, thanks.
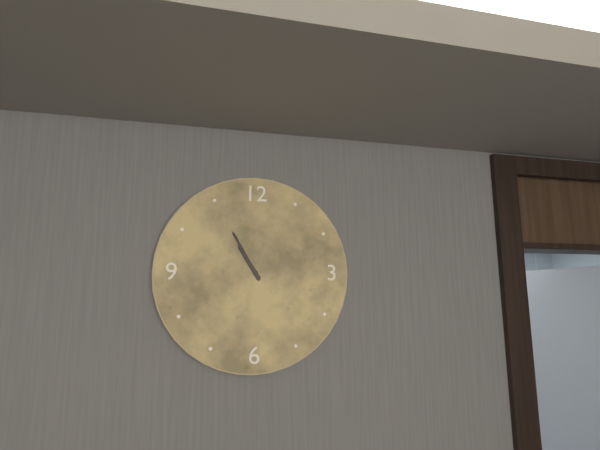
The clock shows 10.55
